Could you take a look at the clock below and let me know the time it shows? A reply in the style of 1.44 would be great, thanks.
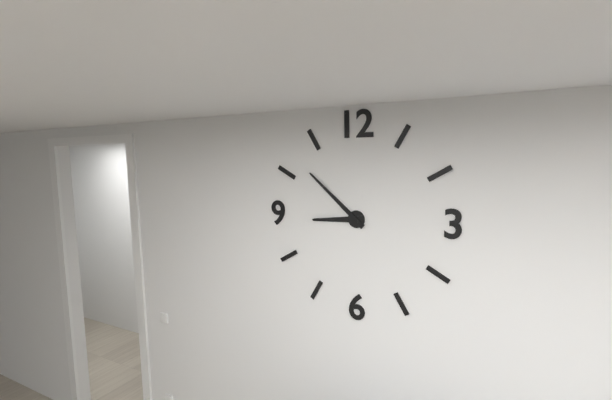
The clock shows 8.52
